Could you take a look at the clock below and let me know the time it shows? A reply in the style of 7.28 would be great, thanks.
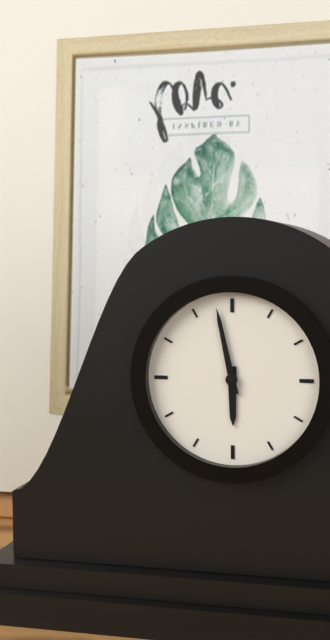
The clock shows 5.58
